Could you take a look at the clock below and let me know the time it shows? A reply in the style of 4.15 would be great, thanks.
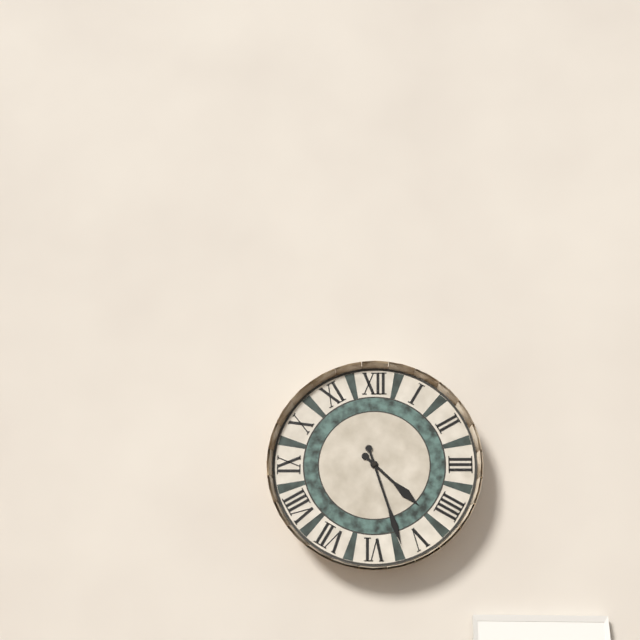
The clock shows 4.27
